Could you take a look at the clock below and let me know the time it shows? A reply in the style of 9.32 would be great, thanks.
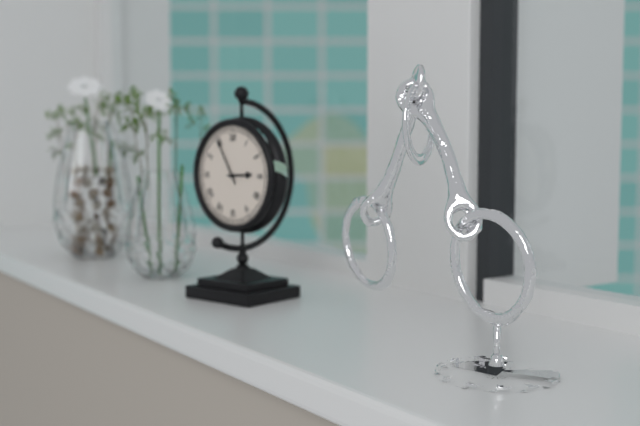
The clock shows 2.55
